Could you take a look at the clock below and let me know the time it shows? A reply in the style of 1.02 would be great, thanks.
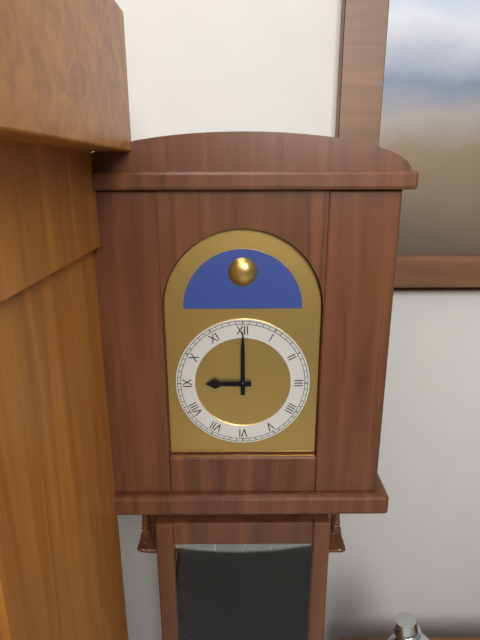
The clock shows 9.00
